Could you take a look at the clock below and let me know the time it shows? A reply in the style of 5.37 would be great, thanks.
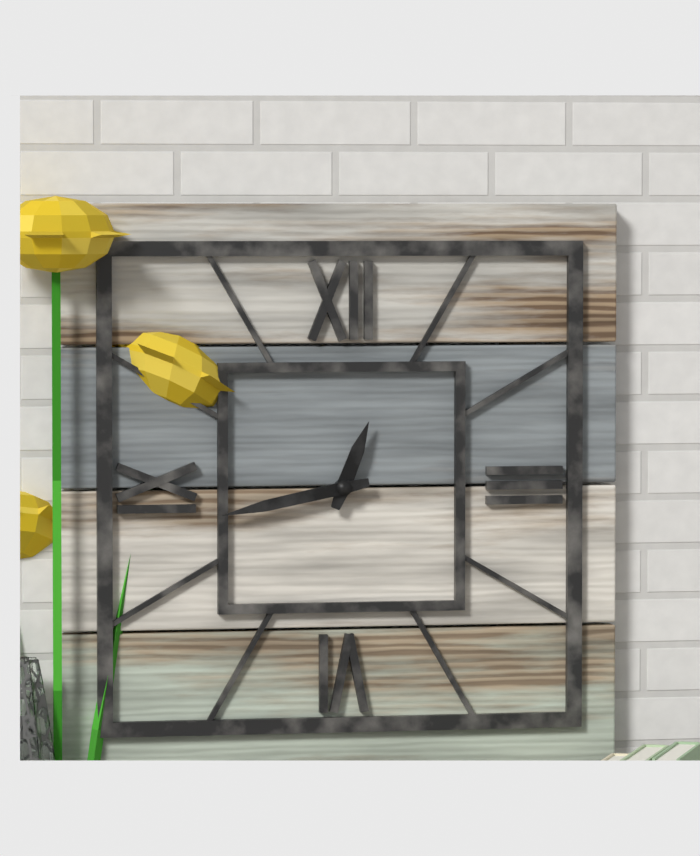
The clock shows 12.43
